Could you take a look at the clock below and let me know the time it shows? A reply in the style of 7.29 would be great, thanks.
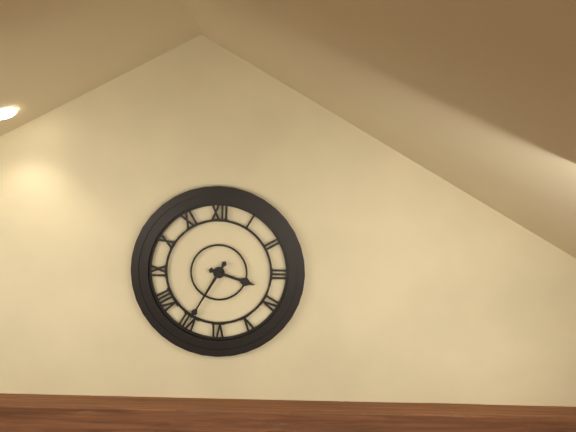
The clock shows 3.35
